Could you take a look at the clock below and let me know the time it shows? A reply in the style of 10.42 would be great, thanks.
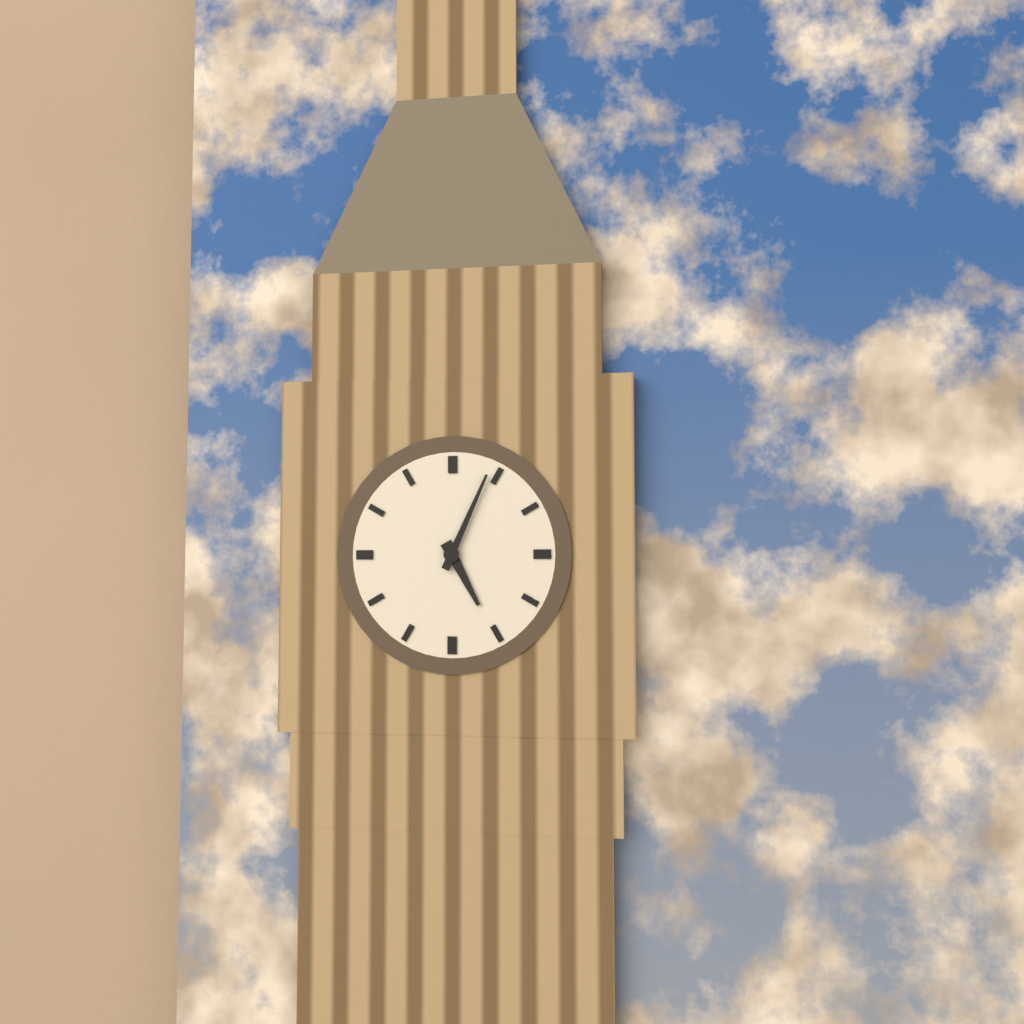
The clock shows 5.04
